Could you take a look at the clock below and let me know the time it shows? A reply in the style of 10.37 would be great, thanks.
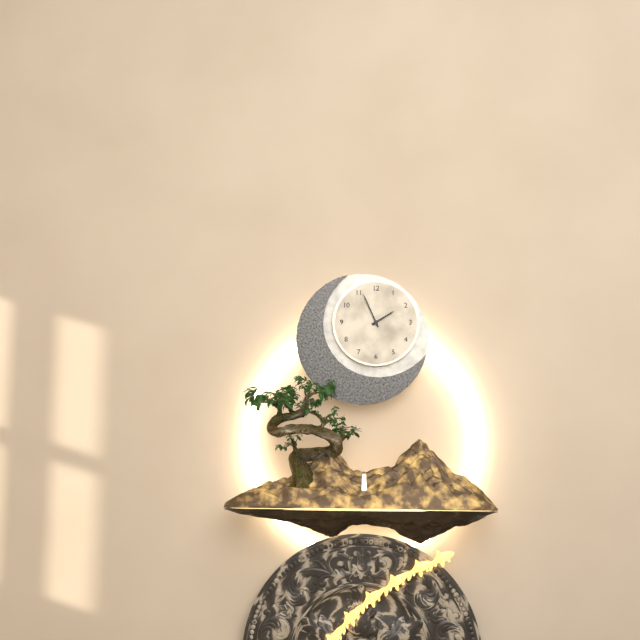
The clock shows 1.56
